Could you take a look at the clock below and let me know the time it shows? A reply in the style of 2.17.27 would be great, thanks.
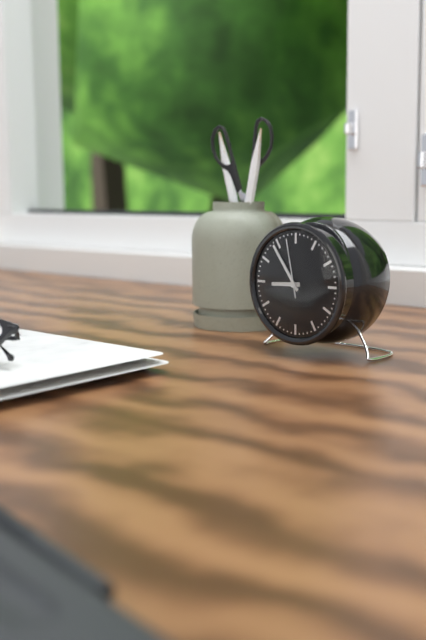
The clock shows 8.54.58
